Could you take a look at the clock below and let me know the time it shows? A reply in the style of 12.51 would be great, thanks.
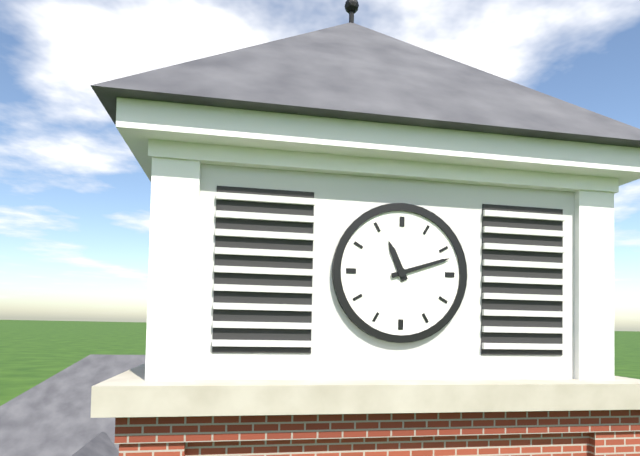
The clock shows 11.12
